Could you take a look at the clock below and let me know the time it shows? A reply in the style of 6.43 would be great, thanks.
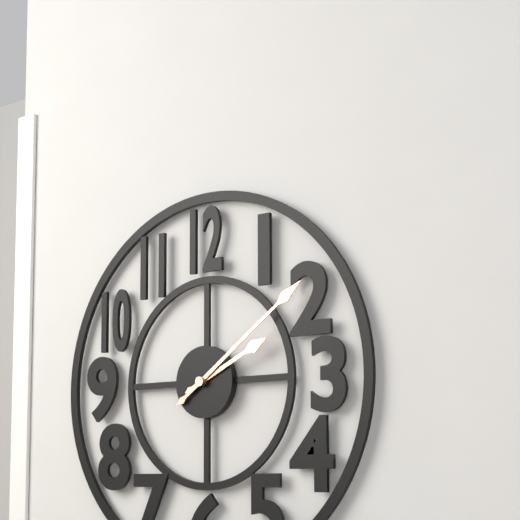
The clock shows 2.09
